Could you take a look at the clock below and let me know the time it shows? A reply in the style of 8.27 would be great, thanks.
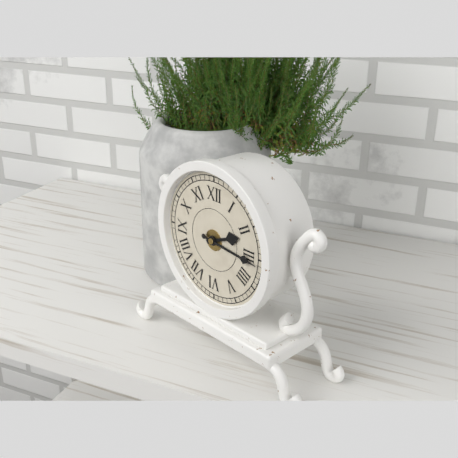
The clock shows 2.16
